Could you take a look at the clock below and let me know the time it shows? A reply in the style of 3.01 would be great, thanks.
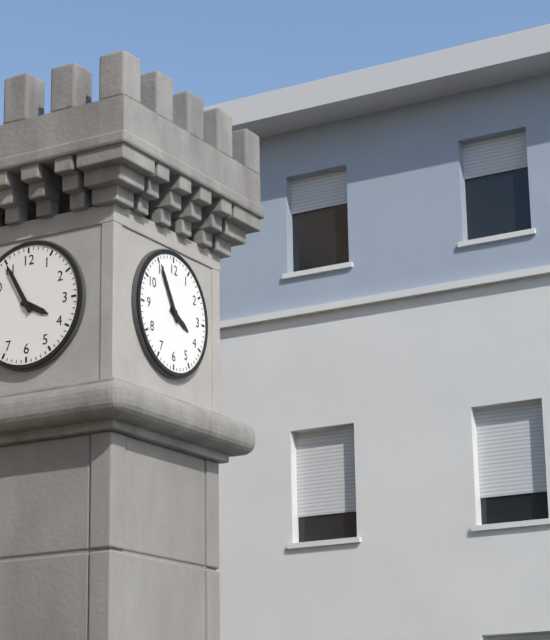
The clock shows 3.55
